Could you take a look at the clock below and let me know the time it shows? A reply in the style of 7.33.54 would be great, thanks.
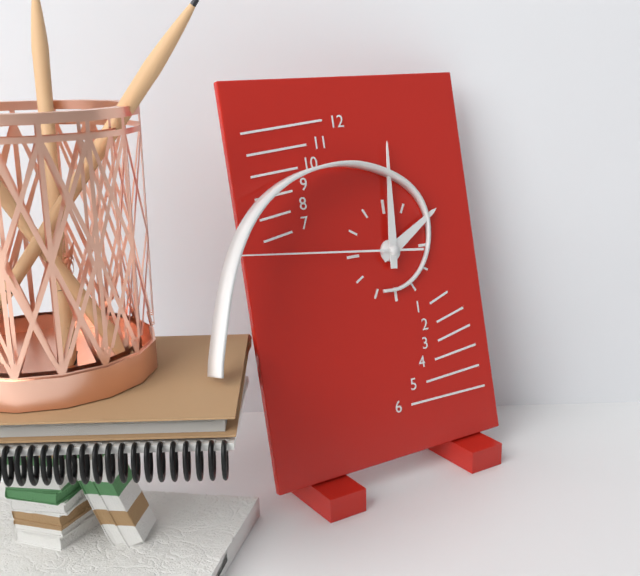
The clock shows 2.01.46
